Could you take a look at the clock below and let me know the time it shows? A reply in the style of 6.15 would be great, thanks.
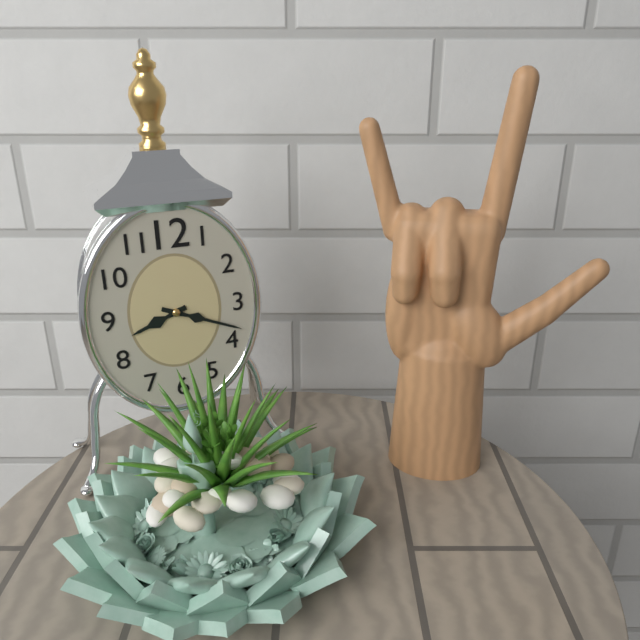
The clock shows 8.19
